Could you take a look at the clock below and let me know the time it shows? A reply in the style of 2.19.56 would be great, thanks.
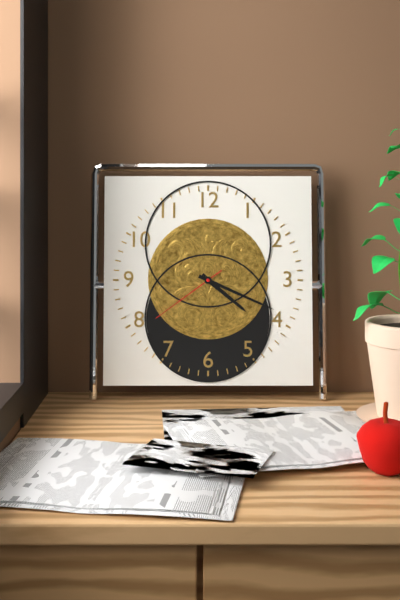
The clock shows 4.19.39
